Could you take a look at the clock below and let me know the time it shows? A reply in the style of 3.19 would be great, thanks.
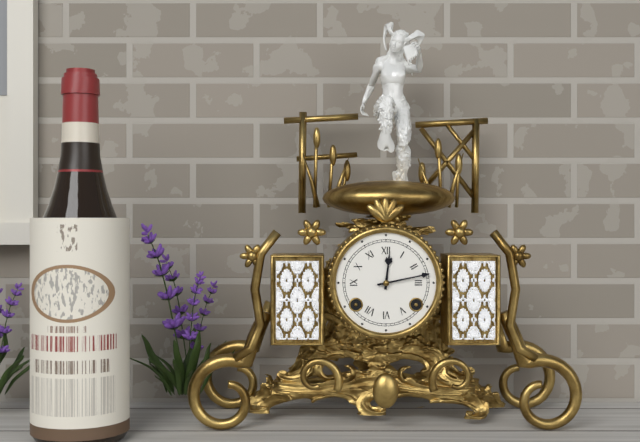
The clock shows 12.13
